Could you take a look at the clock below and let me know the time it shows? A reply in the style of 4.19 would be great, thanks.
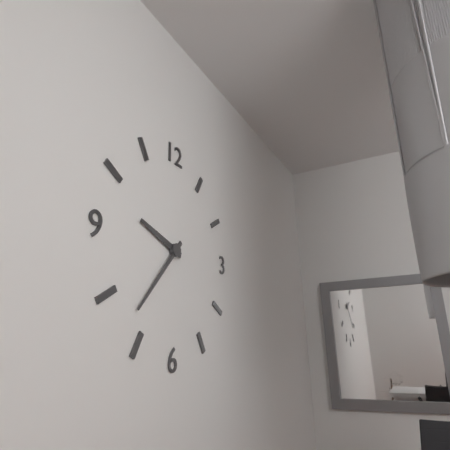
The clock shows 9.37
